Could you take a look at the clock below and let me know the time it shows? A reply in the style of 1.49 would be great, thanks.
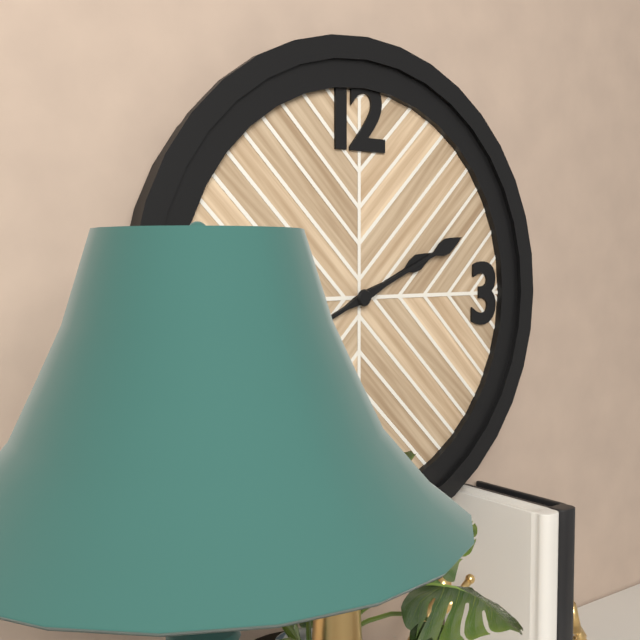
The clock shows 2.11
